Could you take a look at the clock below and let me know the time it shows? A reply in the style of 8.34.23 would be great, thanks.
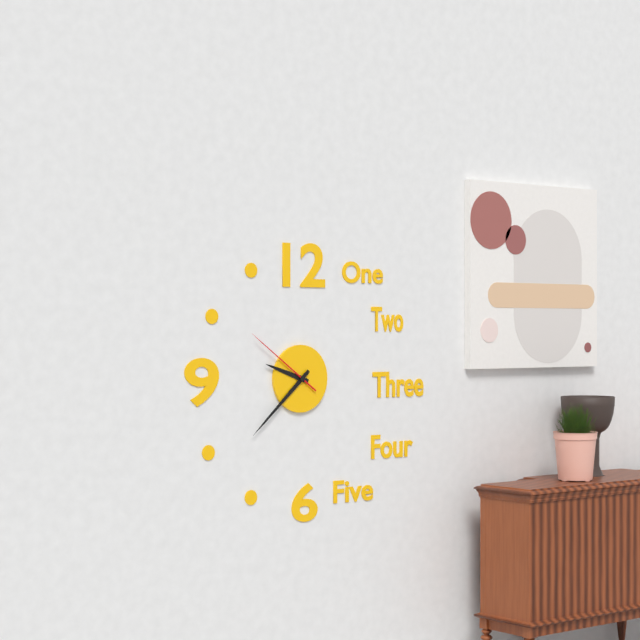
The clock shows 9.38.51
